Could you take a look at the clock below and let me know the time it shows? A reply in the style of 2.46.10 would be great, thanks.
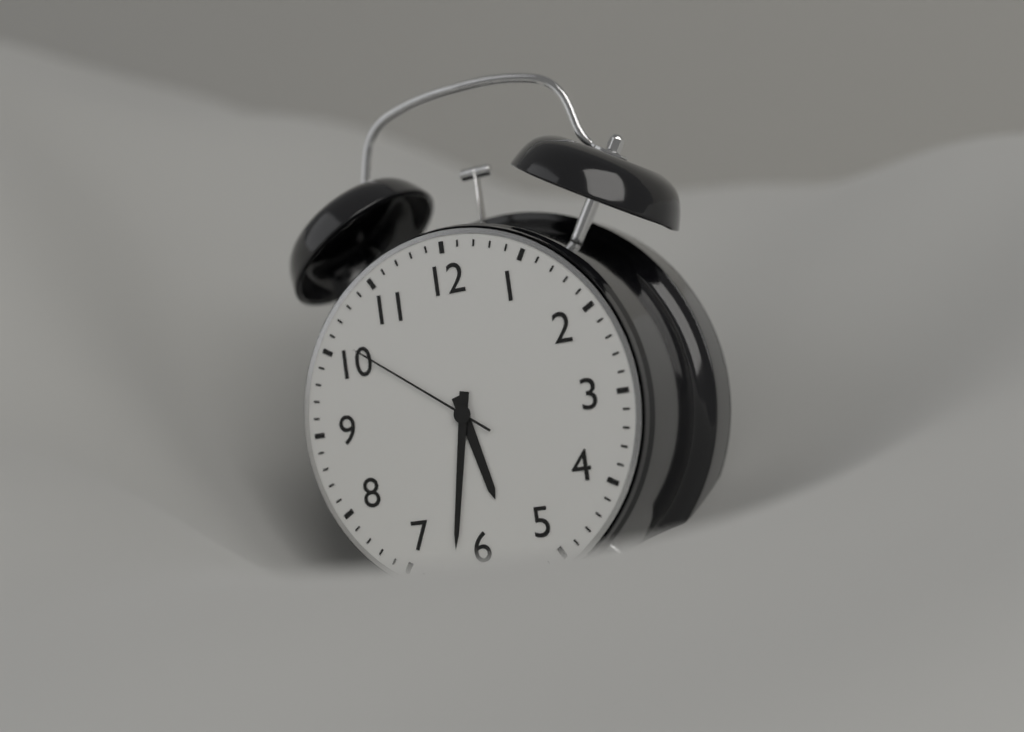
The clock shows 5.32.51
